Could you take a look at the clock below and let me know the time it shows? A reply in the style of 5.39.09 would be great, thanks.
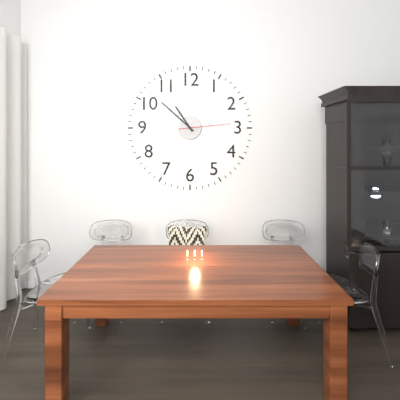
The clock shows 10.52.14
